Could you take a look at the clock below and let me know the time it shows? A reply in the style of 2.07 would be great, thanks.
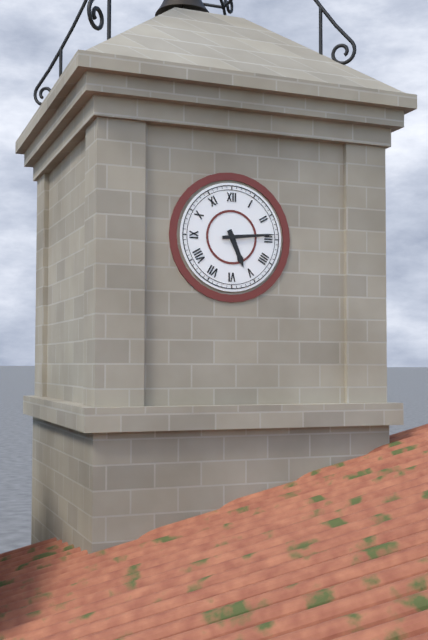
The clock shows 5.14
